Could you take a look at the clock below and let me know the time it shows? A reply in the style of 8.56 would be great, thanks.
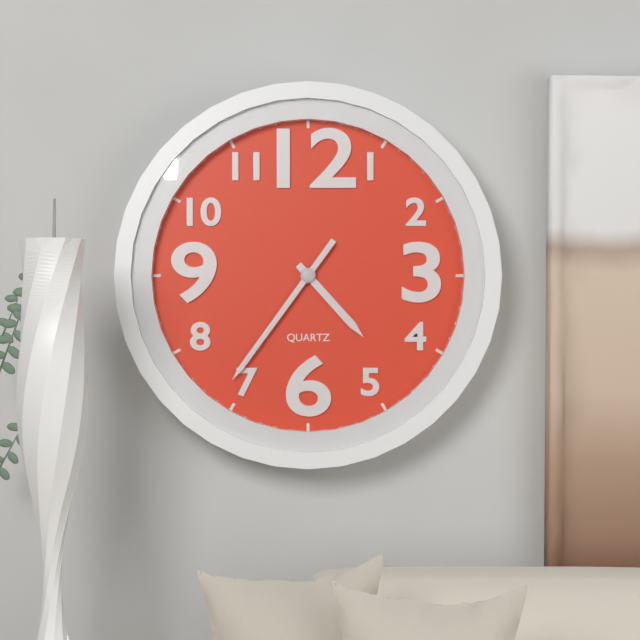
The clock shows 4.36
